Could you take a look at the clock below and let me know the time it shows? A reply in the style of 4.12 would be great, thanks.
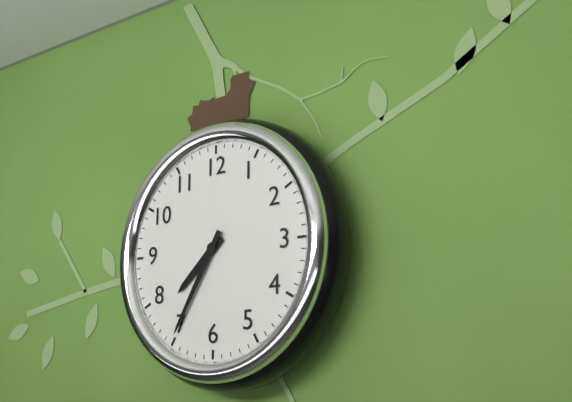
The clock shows 7.35
